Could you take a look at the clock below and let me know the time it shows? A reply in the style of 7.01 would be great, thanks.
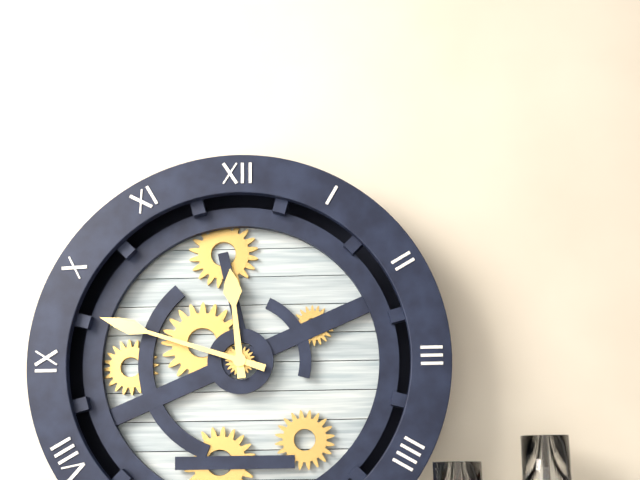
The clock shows 11.48
